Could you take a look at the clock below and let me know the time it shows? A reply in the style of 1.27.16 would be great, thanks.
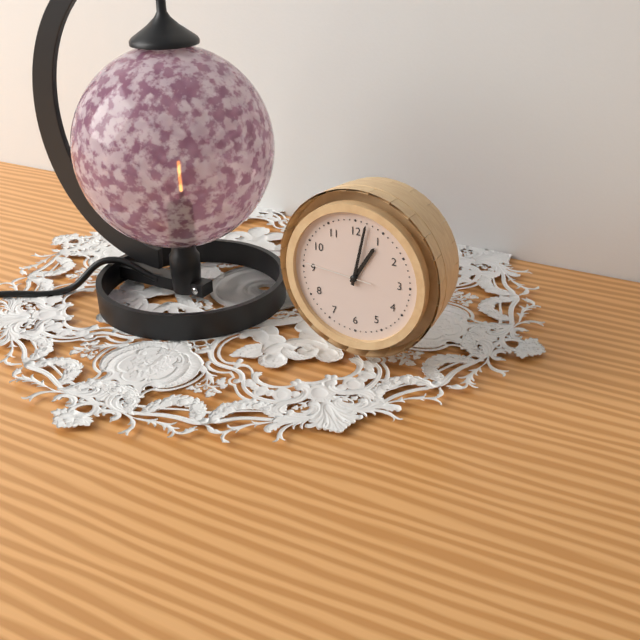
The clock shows 1.02.46
